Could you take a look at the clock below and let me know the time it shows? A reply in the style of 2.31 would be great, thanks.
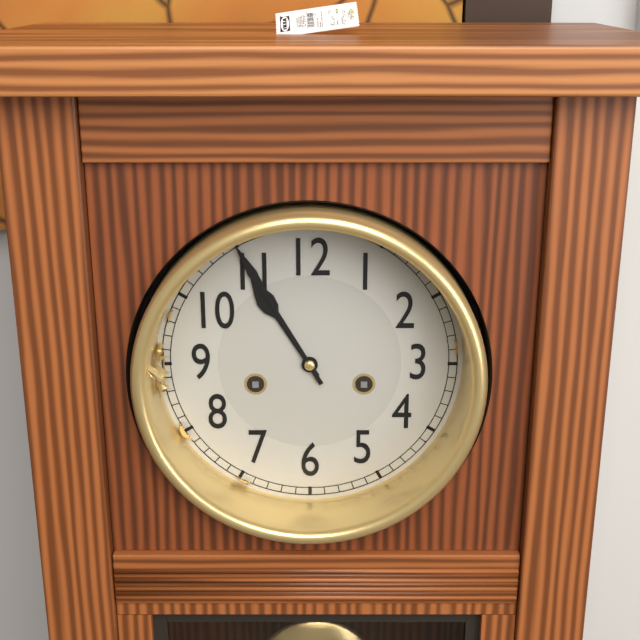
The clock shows 10.55
